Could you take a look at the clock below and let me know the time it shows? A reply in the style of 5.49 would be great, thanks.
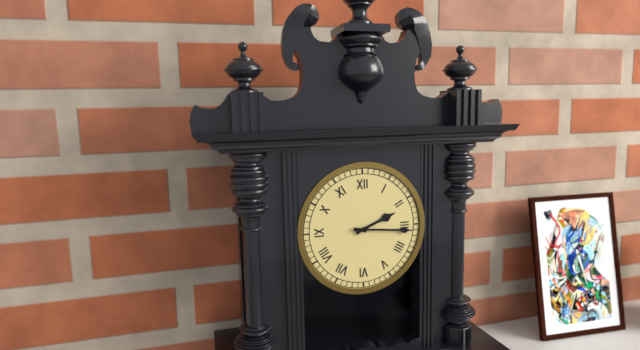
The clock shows 2.16
